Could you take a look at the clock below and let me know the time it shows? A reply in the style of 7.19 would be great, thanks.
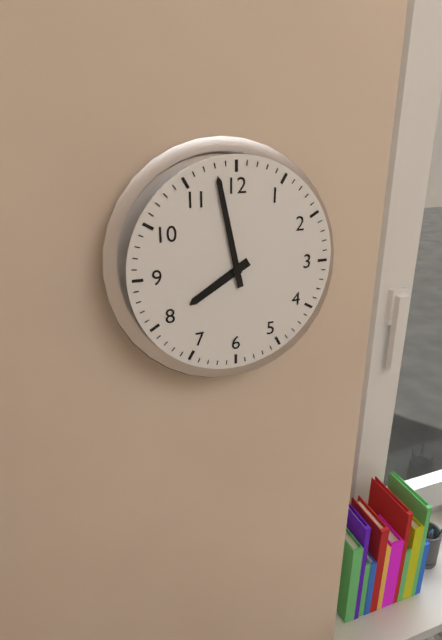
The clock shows 7.58
